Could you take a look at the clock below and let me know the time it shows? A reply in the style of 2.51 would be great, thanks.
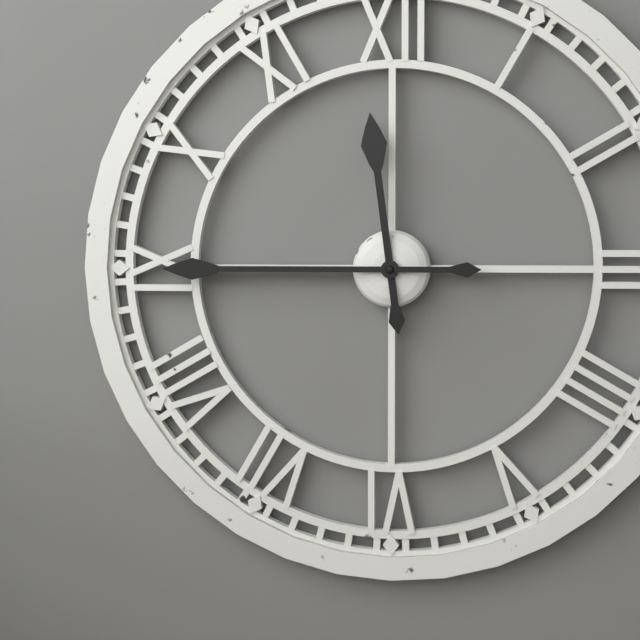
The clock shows 11.45
